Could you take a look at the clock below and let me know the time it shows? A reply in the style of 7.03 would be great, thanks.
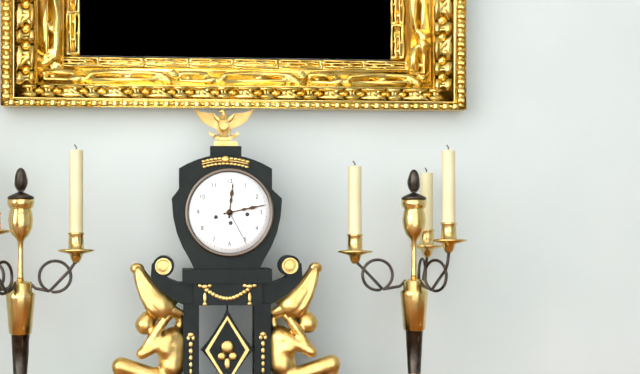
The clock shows 12.13
